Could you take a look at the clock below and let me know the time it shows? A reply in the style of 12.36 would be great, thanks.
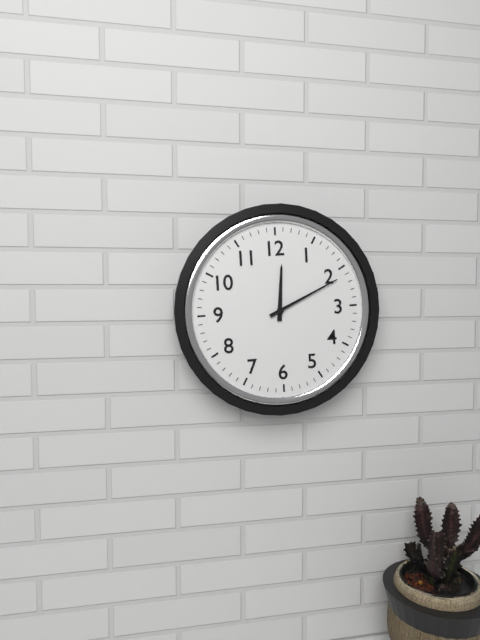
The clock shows 12.11
